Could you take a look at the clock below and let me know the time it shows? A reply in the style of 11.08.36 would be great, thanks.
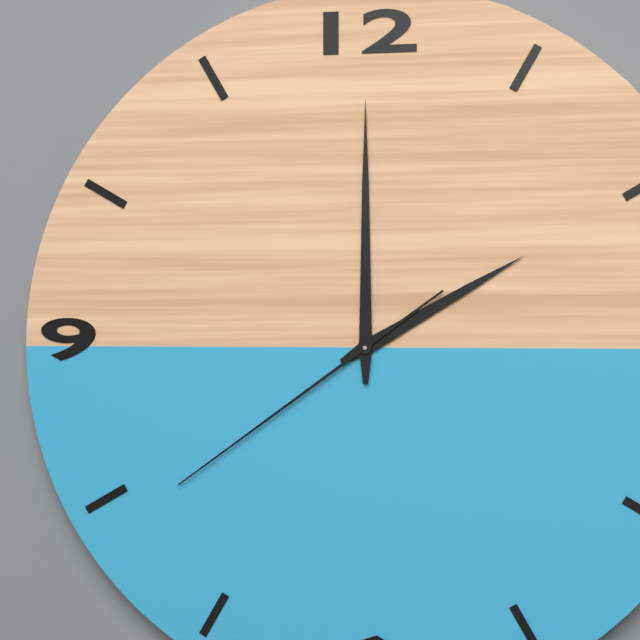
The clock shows 2.00.39
